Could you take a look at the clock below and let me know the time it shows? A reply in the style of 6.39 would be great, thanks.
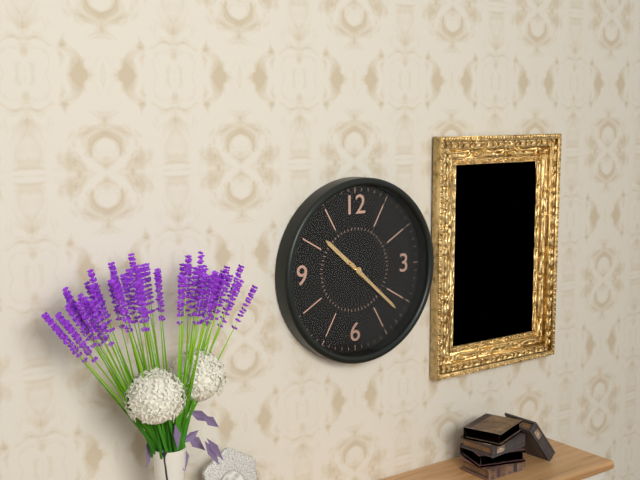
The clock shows 10.22
